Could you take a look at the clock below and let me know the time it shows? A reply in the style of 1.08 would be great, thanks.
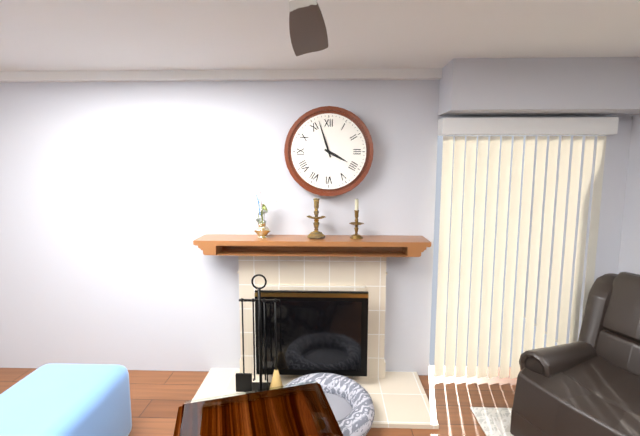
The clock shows 3.57
